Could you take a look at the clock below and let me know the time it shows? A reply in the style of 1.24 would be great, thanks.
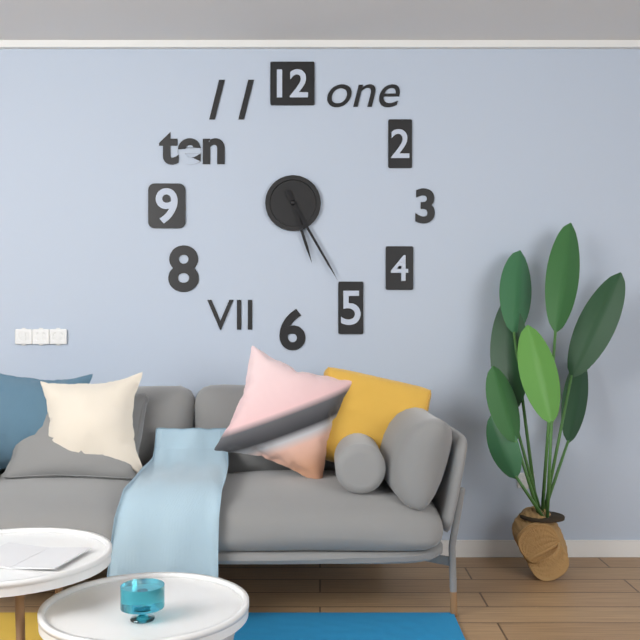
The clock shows 5.25
